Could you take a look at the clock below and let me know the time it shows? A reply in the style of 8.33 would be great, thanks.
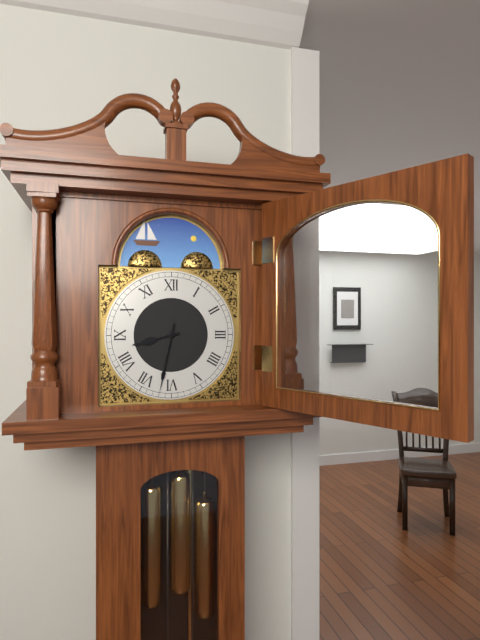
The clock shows 8.32
